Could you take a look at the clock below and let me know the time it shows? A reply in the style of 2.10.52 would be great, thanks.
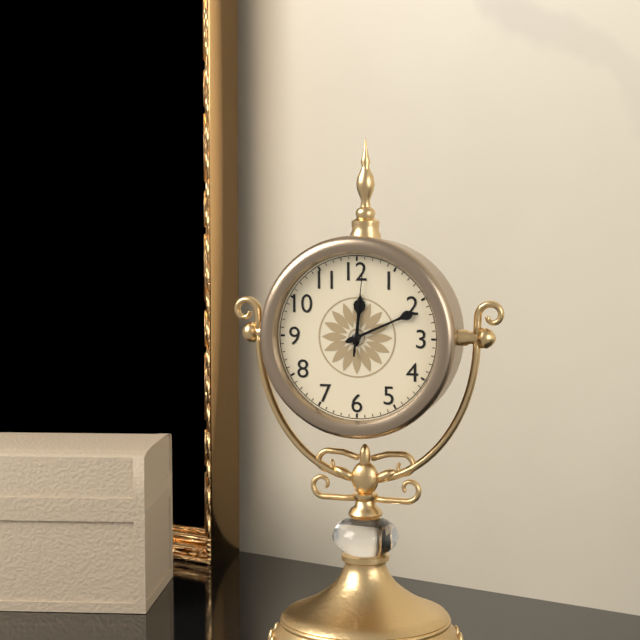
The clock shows 12.11.01
